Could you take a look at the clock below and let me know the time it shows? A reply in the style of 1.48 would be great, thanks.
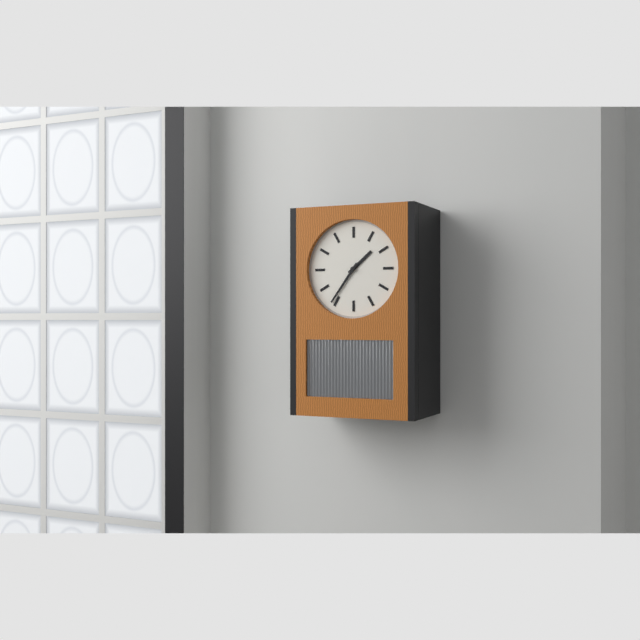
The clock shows 1.36
